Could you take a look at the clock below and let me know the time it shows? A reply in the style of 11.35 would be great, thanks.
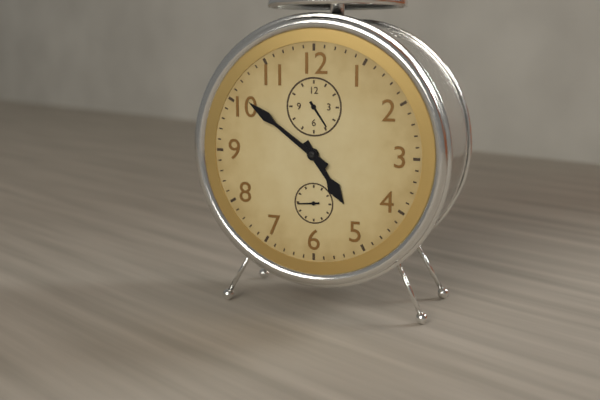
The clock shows 4.51
